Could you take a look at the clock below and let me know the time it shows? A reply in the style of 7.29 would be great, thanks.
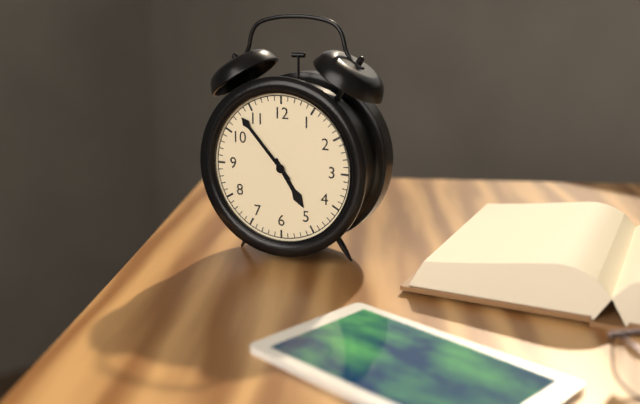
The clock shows 4.53
